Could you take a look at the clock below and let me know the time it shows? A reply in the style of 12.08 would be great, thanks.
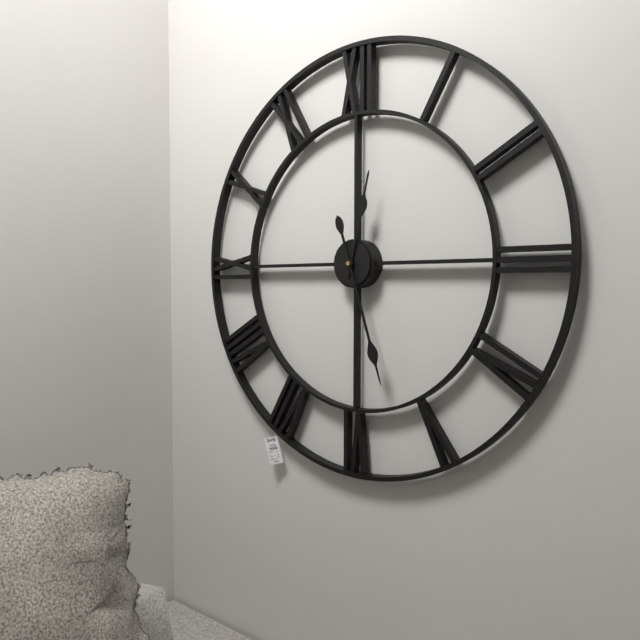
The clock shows 12.27
